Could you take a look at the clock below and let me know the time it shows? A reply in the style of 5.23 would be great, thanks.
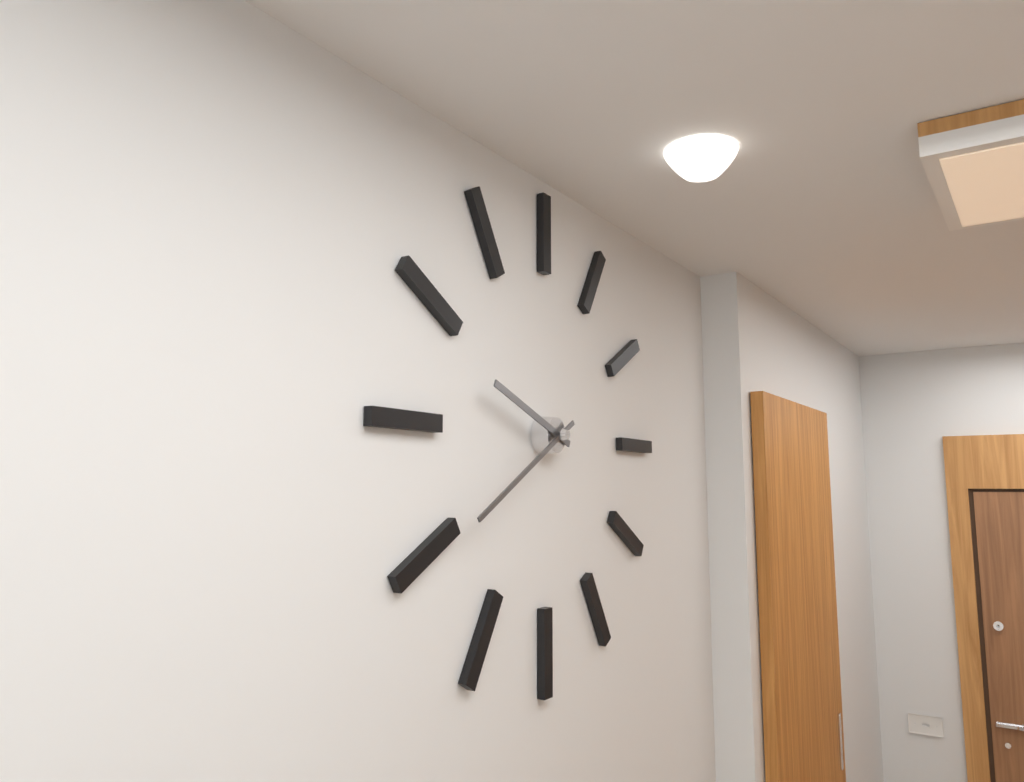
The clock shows 9.40
